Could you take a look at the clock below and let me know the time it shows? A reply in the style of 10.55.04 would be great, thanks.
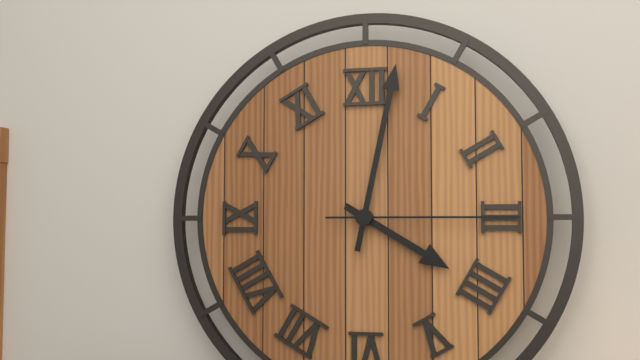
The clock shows 4.02.15
